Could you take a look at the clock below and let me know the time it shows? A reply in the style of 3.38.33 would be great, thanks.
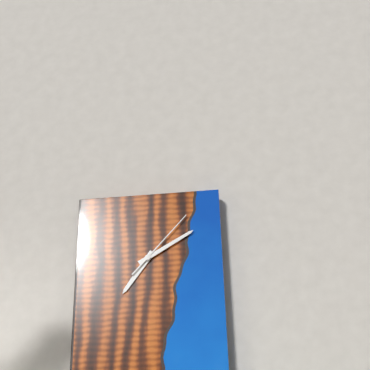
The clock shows 7.10.07
